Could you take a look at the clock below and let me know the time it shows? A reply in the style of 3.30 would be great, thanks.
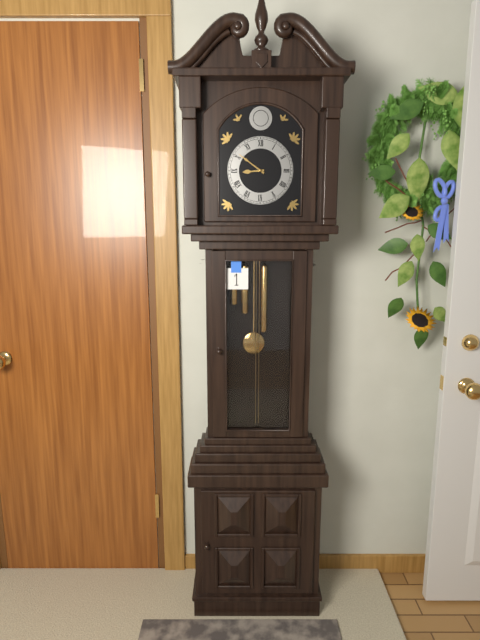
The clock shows 8.51
